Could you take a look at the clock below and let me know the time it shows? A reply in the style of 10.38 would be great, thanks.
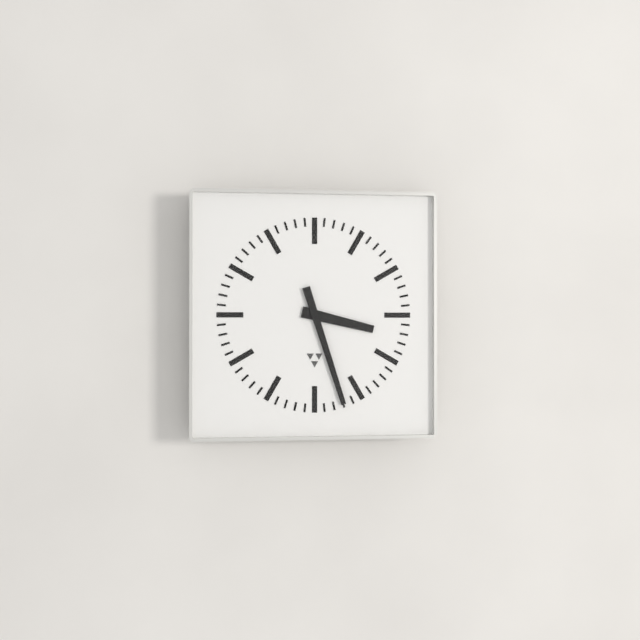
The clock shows 3.27
